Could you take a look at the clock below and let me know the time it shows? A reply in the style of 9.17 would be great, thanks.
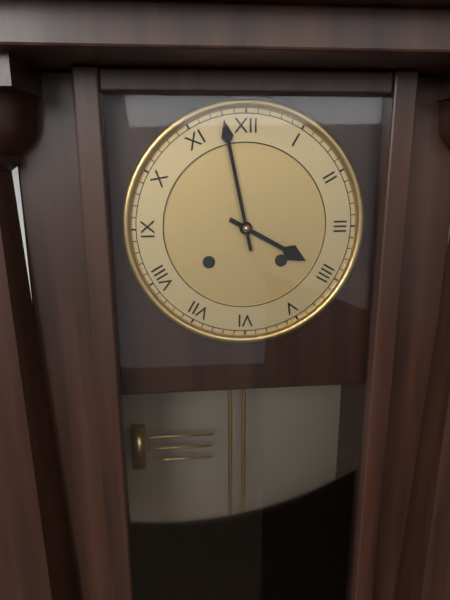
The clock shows 3.58
